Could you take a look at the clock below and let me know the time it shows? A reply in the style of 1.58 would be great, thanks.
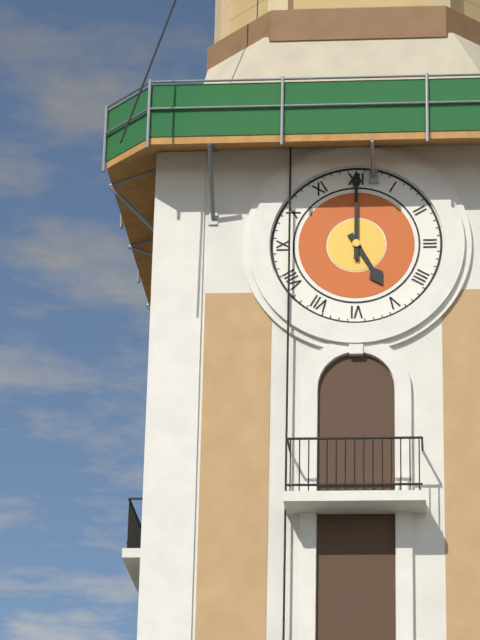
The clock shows 5.00
